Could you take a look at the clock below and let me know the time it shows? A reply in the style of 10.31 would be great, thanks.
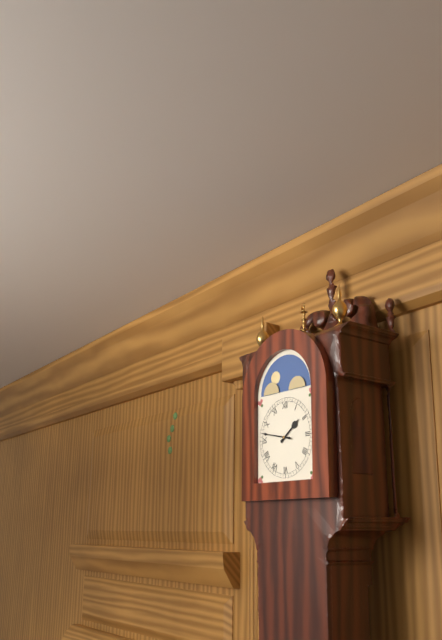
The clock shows 1.47
